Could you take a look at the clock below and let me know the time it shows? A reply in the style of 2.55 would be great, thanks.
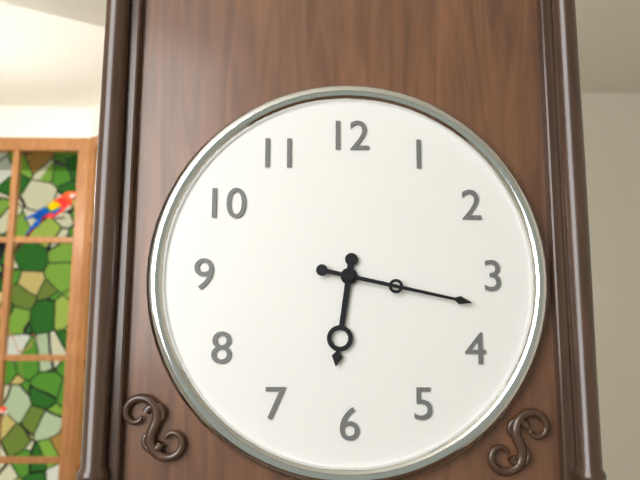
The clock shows 6.17
